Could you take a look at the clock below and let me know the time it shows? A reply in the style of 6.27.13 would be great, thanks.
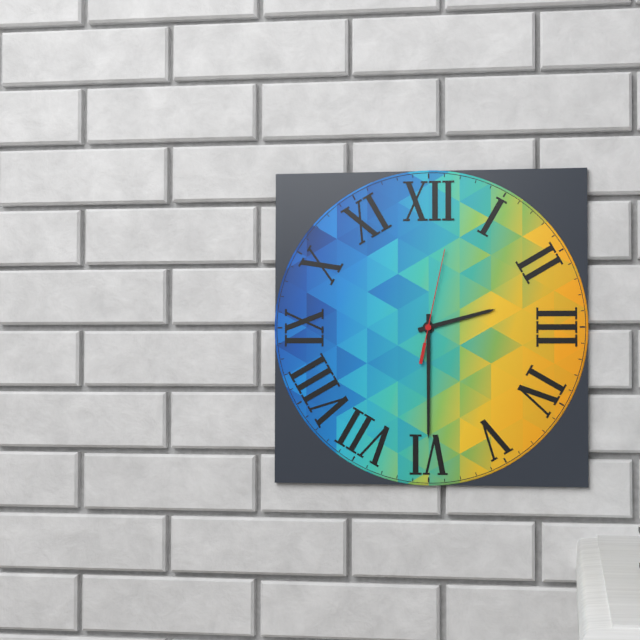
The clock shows 2.30.02
